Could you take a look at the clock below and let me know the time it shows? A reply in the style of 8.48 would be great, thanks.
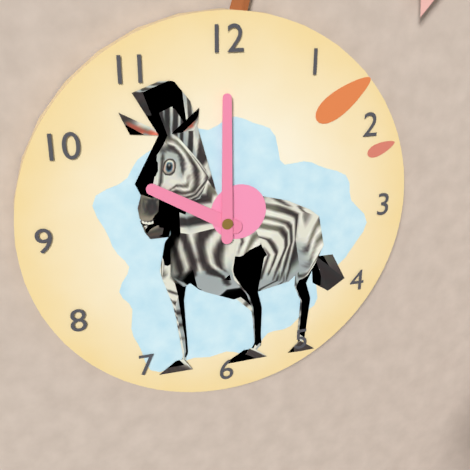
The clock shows 10.00
